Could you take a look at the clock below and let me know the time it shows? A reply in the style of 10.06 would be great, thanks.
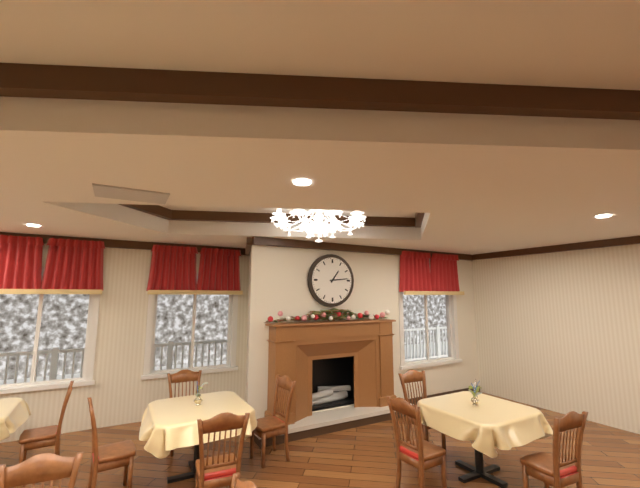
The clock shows 1.14
